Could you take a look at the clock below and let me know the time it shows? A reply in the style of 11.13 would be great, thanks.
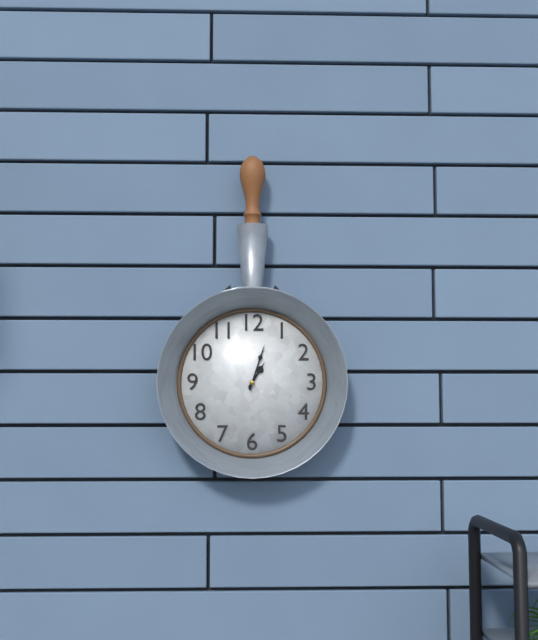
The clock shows 1.03
